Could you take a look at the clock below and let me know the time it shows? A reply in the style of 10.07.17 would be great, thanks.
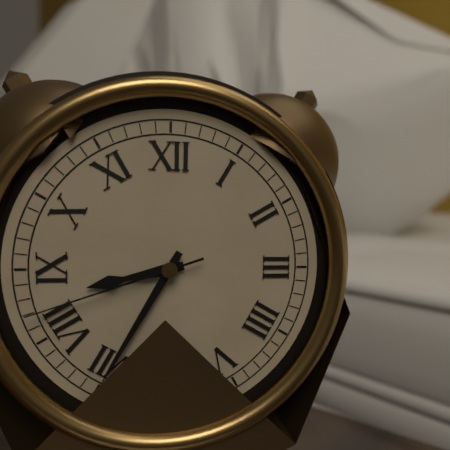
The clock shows 8.35.42
